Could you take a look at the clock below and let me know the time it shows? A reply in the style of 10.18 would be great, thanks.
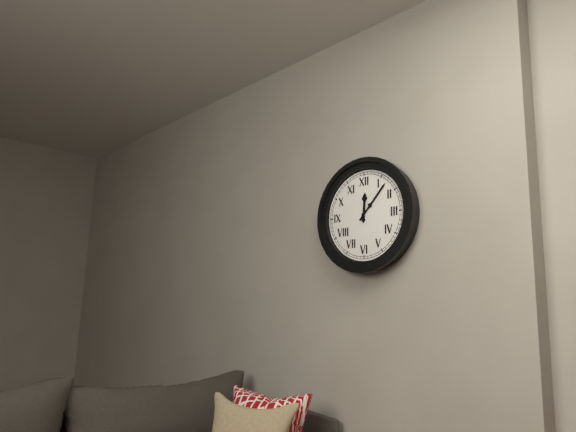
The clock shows 12.07
